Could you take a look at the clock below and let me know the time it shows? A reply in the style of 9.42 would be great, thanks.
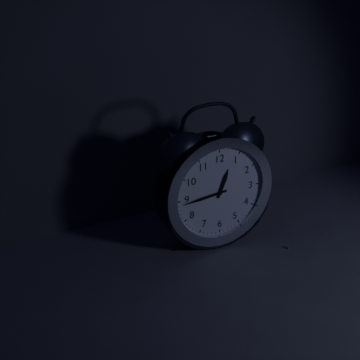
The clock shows 12.44
